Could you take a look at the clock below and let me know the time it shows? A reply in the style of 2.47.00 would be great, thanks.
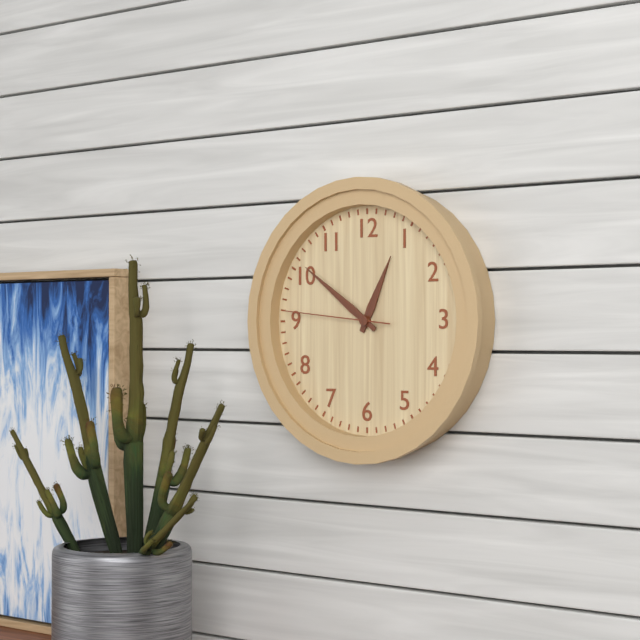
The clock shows 12.51.46
